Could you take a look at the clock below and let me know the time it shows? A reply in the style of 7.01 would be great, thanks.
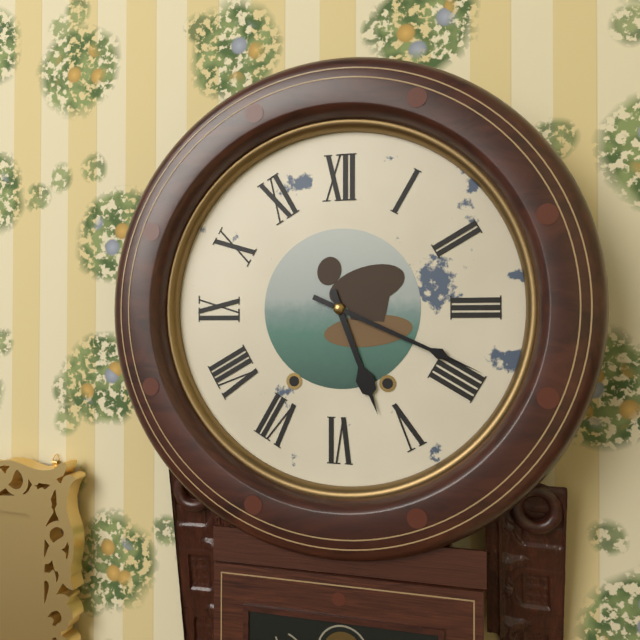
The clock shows 5.19
